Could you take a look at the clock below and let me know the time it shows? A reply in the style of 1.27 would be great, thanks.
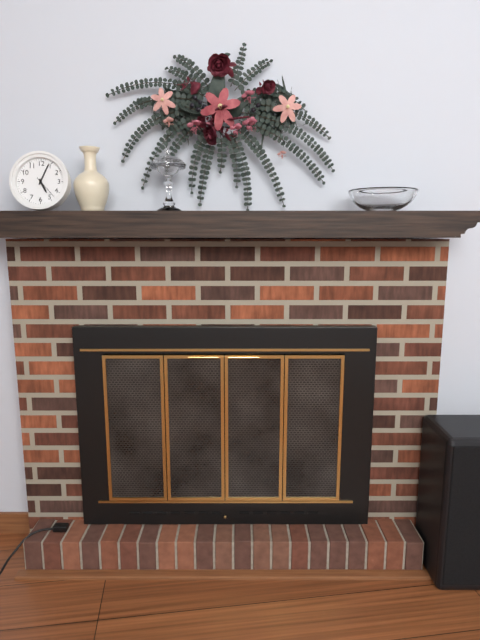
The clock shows 5.04
